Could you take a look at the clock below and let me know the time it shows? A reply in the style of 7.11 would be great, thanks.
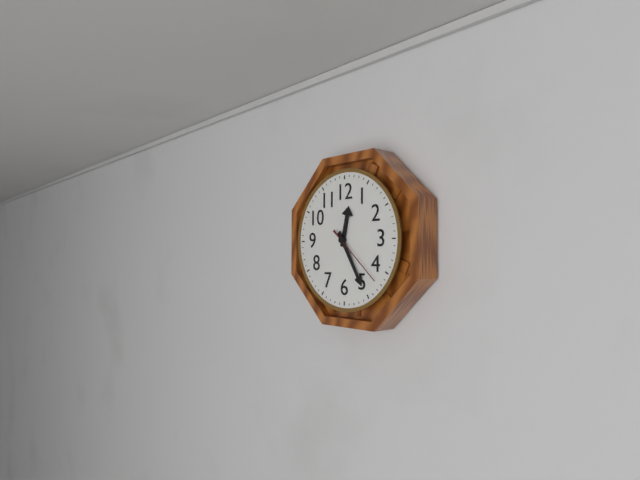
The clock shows 12.25
